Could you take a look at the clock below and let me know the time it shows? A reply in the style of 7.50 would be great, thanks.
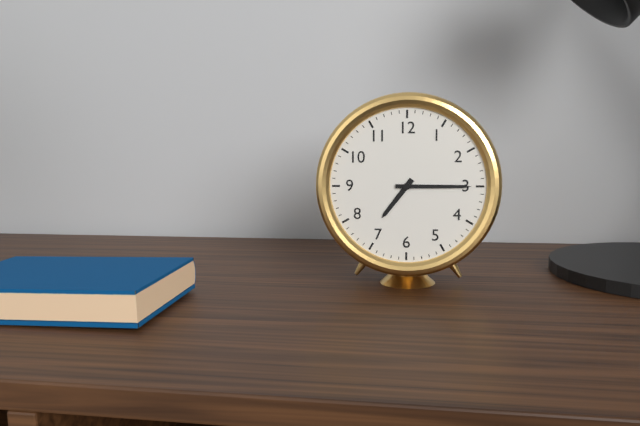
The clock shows 7.15
